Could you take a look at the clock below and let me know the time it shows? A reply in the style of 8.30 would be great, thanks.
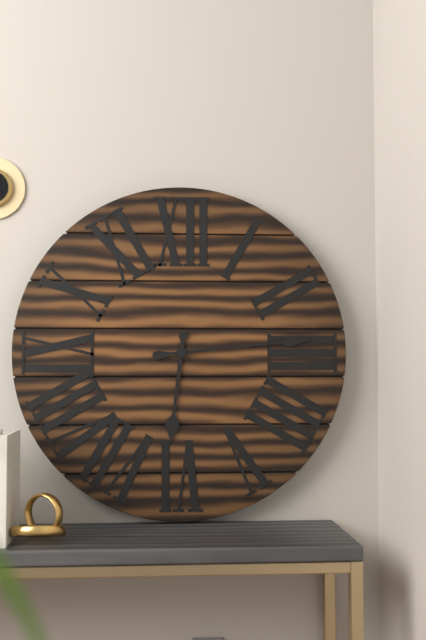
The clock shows 6.14
